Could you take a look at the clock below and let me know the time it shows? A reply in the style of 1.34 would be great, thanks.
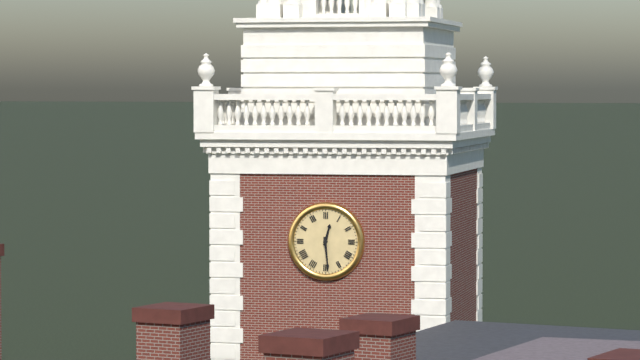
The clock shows 12.29
